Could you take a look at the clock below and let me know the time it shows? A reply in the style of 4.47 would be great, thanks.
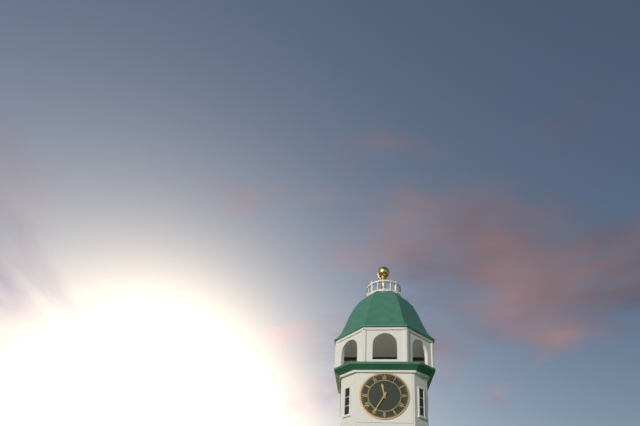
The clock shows 11.35
